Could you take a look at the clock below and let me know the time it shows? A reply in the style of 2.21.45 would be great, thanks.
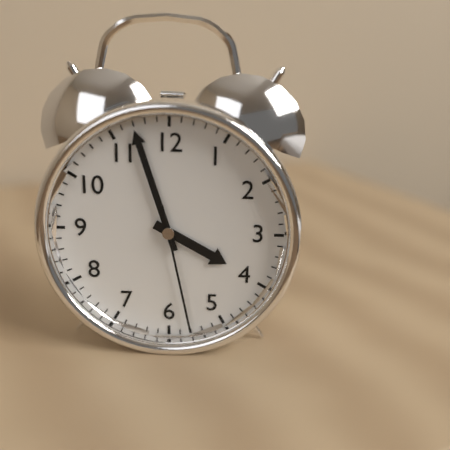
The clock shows 3.57.28
